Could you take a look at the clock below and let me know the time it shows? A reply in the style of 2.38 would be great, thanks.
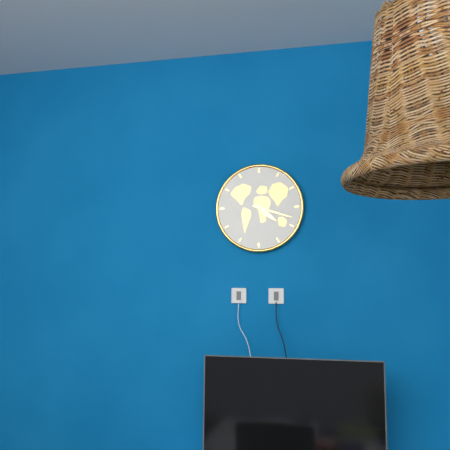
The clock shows 4.18
